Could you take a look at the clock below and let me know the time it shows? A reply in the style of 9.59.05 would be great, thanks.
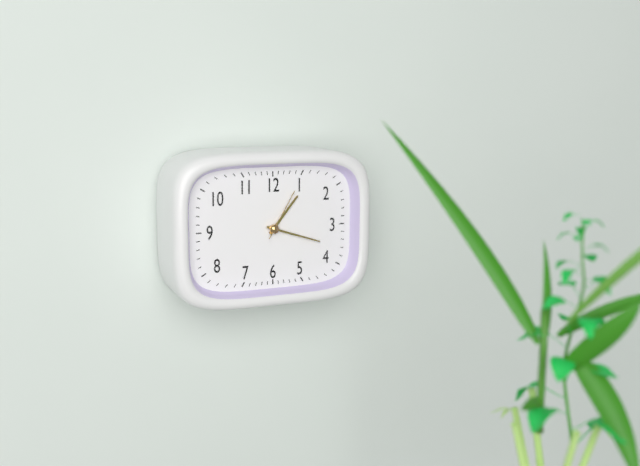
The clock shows 1.18.05
